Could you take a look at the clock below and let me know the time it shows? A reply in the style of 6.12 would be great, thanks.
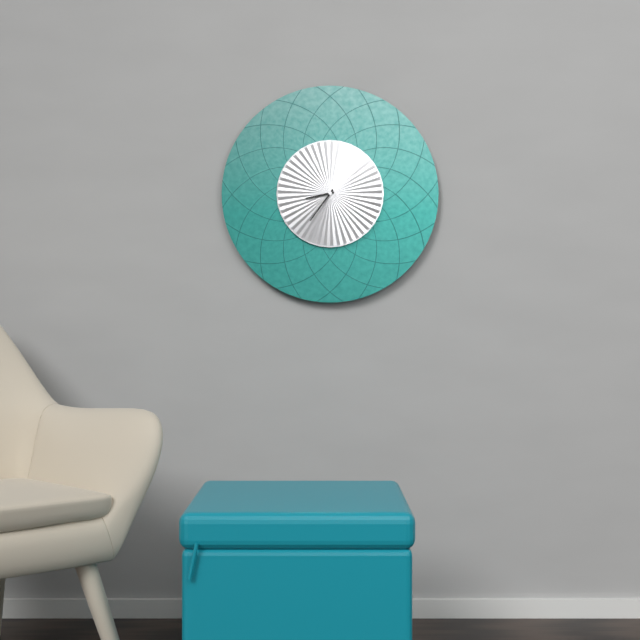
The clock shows 8.36
